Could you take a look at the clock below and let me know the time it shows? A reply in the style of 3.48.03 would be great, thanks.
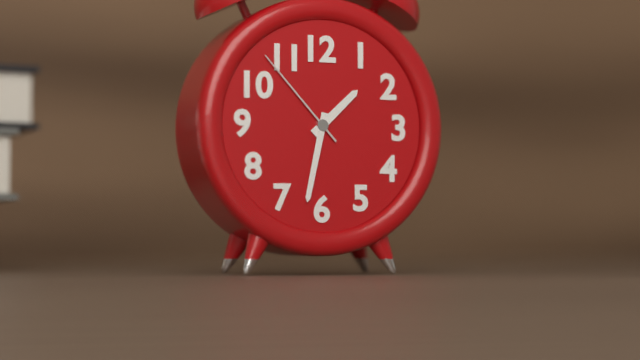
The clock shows 1.32.53
